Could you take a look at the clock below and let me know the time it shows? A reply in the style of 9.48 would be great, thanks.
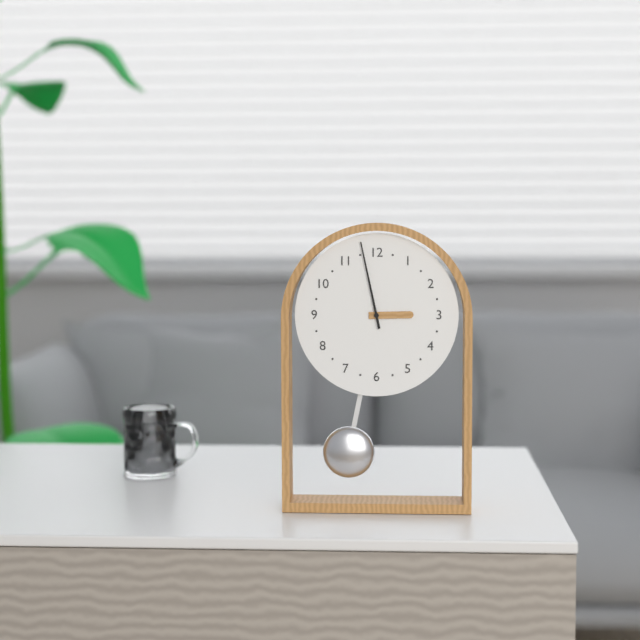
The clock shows 2.58
